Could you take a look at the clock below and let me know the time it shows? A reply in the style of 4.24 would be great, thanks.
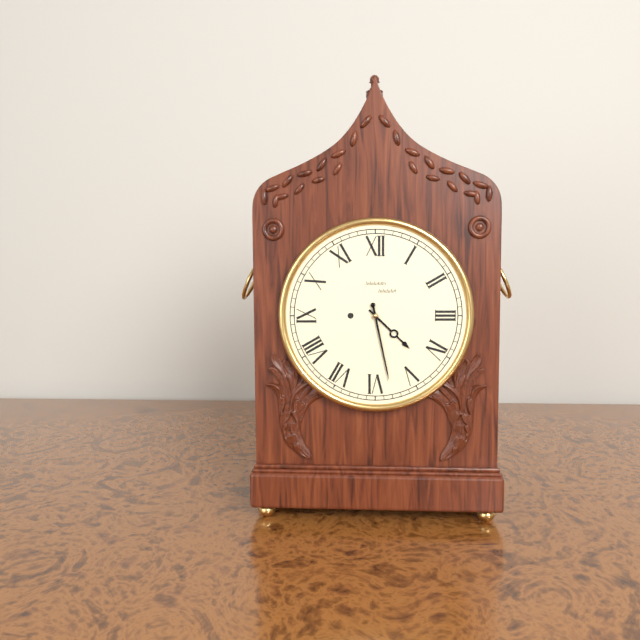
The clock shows 4.28
